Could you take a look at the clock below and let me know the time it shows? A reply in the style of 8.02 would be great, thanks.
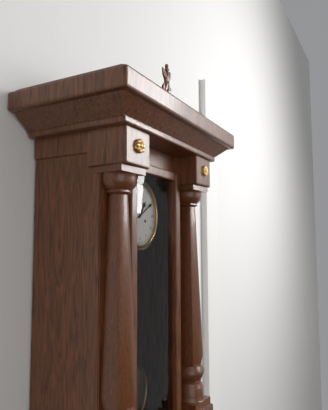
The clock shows 1.10
